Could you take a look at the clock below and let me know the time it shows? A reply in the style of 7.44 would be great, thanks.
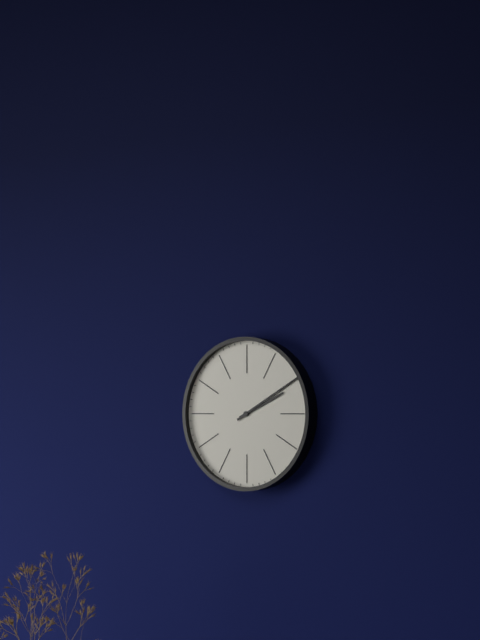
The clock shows 2.10
